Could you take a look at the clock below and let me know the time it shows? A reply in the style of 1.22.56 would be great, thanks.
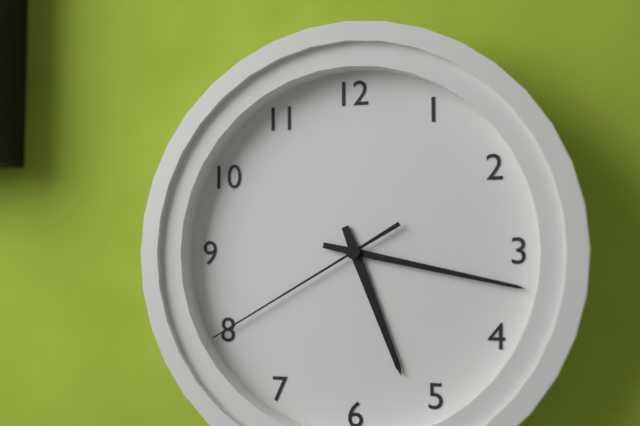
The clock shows 5.17.40
